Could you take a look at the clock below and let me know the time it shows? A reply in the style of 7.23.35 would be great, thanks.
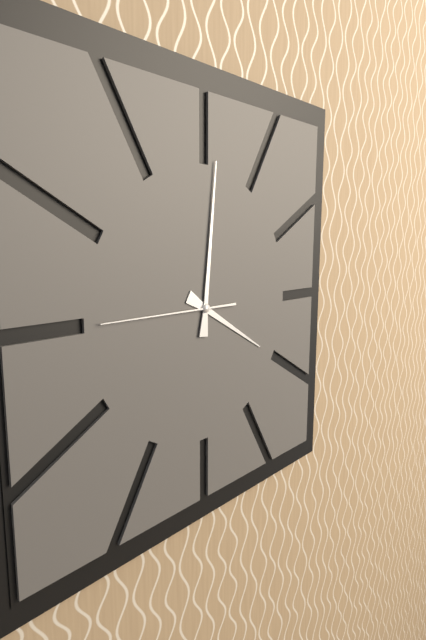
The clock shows 4.01.45
